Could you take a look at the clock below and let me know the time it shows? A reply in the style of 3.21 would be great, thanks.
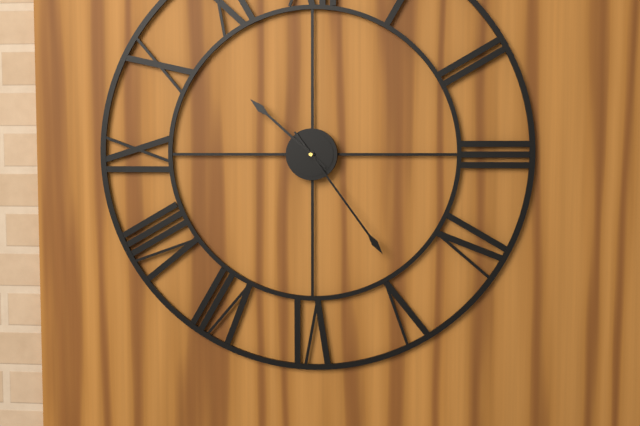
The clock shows 10.24
